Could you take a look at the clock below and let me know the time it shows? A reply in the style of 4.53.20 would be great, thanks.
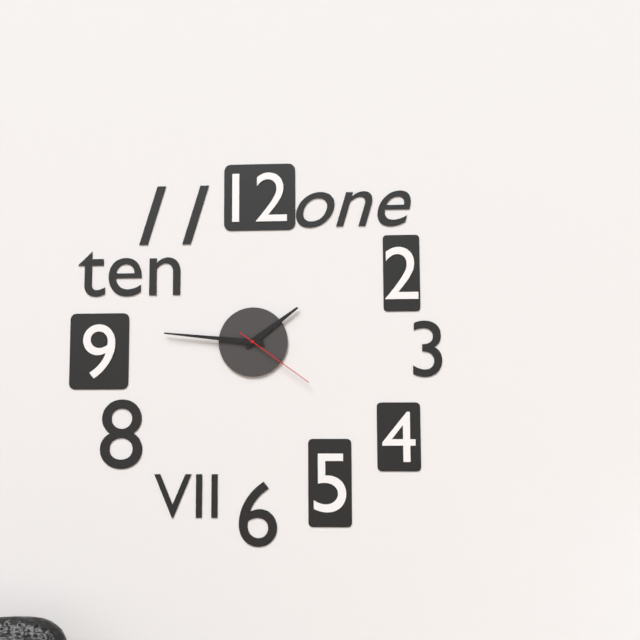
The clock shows 1.46.21
